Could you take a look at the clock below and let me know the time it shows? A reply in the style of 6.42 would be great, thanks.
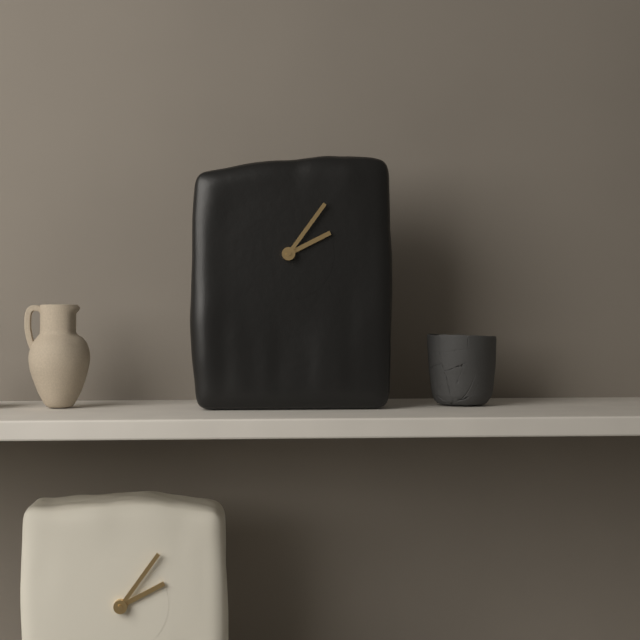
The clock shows 2.06
